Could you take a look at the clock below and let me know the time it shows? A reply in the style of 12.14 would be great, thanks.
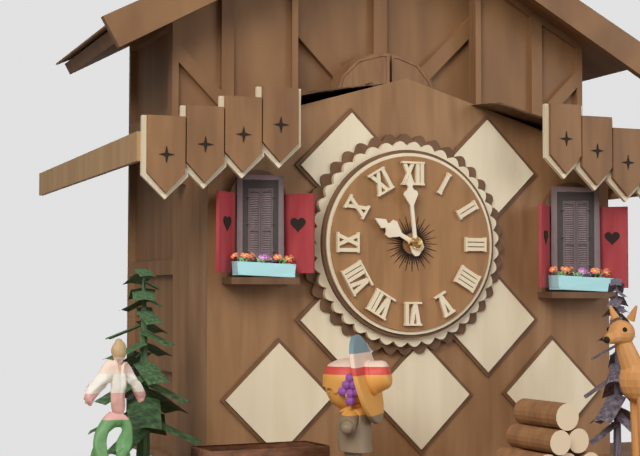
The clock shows 9.59
